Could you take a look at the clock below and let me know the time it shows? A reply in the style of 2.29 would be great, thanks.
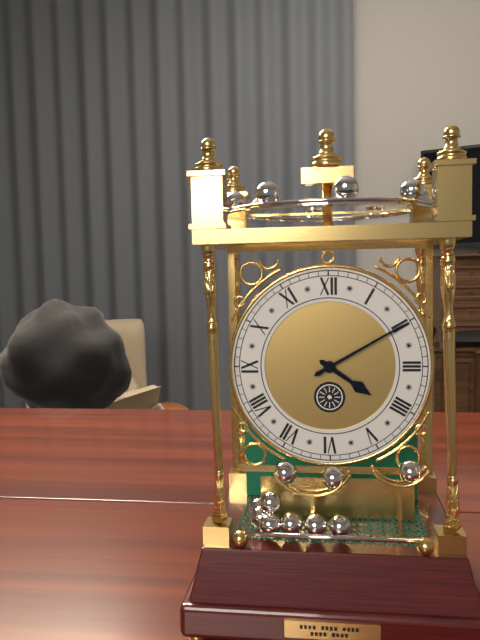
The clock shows 4.10
